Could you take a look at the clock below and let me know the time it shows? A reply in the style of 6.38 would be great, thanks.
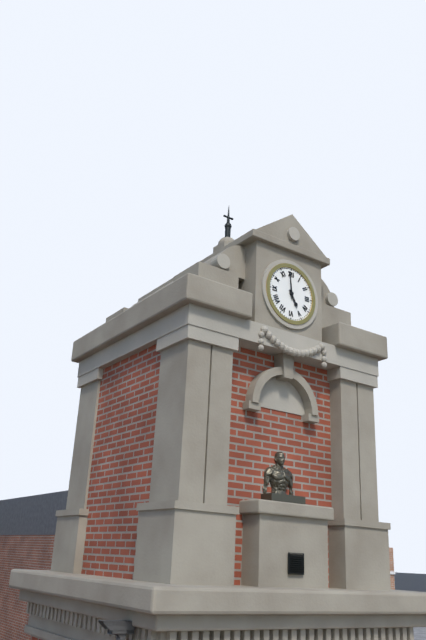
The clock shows 4.59
